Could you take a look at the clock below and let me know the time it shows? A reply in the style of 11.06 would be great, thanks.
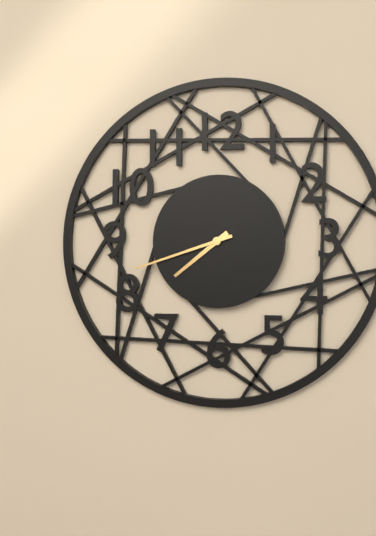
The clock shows 7.42
